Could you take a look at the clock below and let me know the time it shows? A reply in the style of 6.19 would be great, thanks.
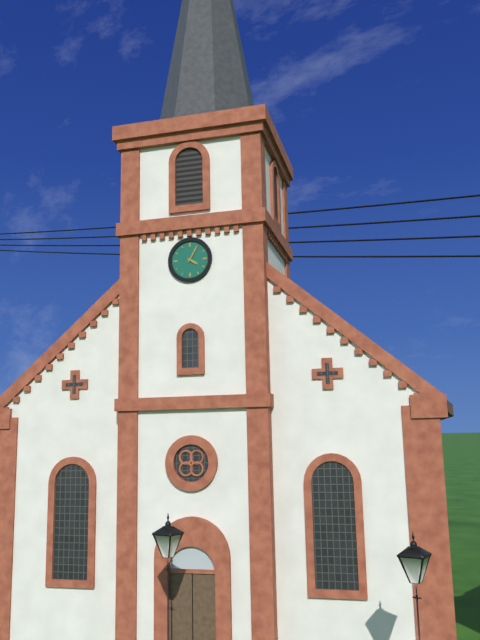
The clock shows 4.05
